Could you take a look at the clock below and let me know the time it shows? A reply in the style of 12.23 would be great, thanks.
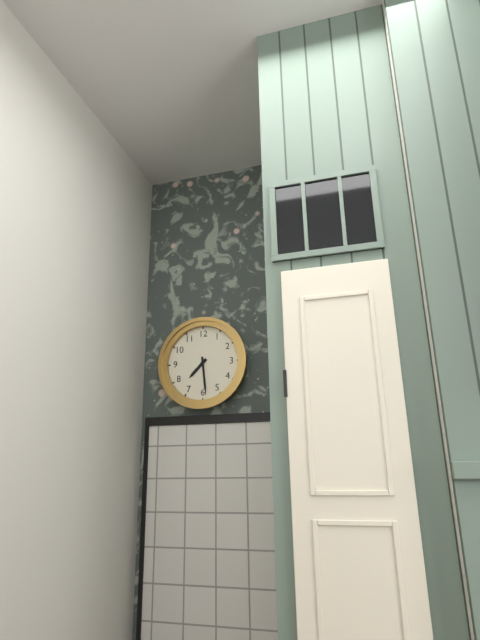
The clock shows 7.29
